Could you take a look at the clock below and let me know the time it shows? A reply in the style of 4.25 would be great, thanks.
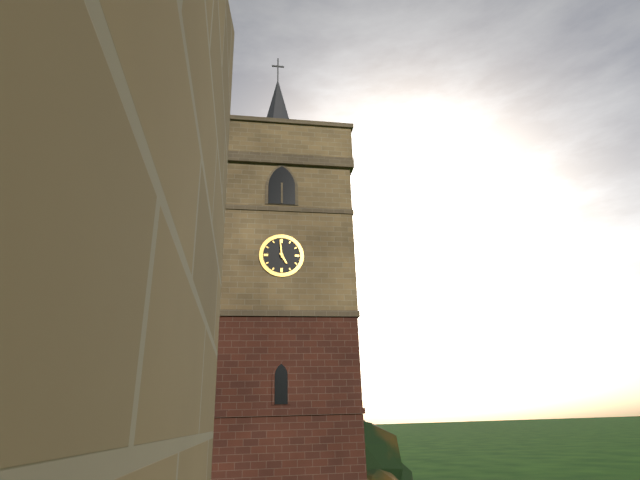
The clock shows 4.59
